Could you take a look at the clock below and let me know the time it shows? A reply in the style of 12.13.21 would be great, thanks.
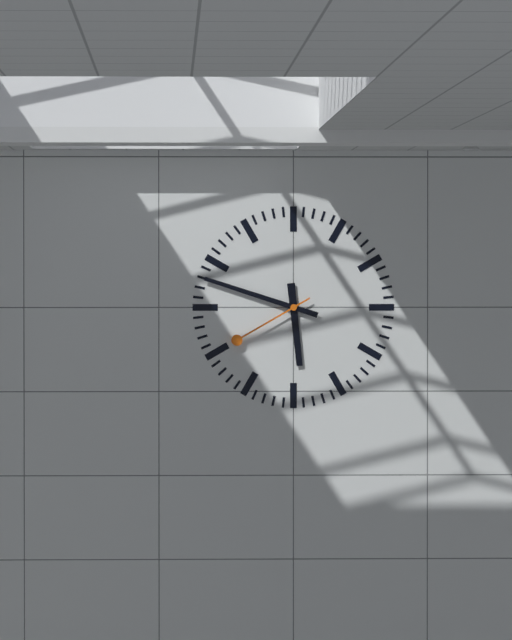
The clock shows 5.48.40
